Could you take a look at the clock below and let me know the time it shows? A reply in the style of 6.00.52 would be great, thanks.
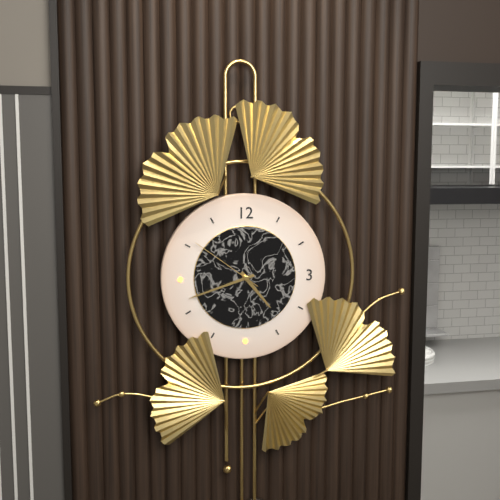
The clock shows 4.42.51
